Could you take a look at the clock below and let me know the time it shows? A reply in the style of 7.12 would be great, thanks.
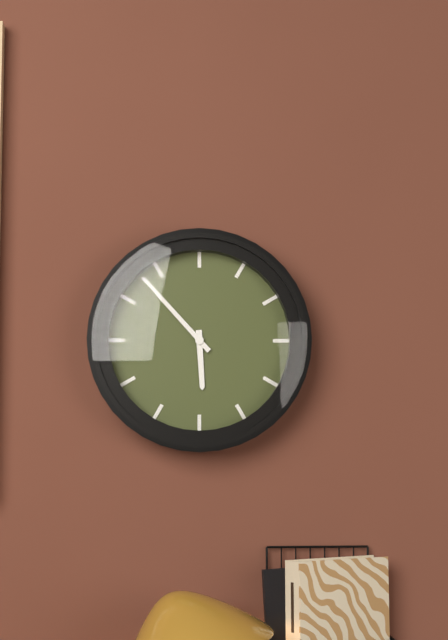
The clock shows 5.53
